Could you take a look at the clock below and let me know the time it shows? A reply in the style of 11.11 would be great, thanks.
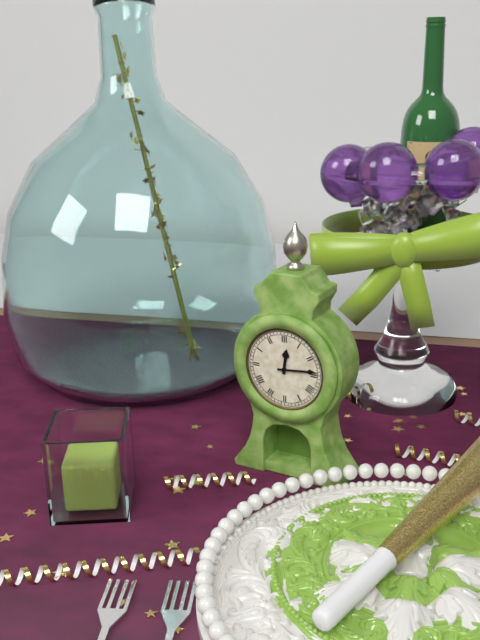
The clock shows 12.14
